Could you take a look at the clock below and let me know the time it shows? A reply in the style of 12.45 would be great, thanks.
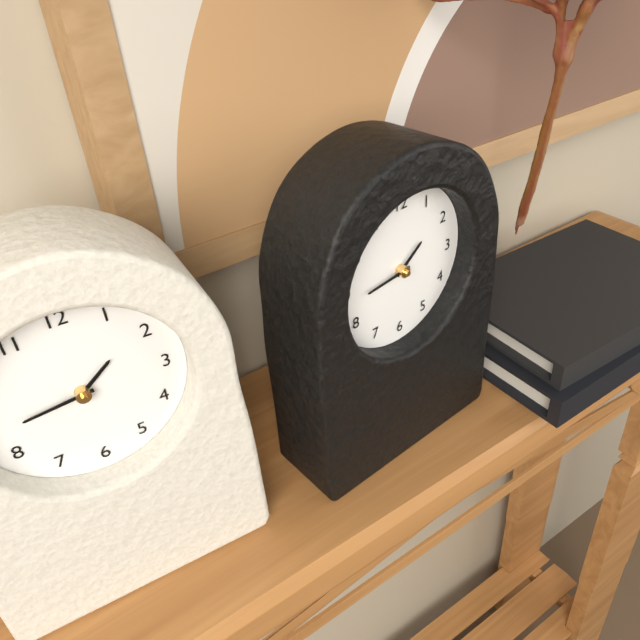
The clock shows 1.44
